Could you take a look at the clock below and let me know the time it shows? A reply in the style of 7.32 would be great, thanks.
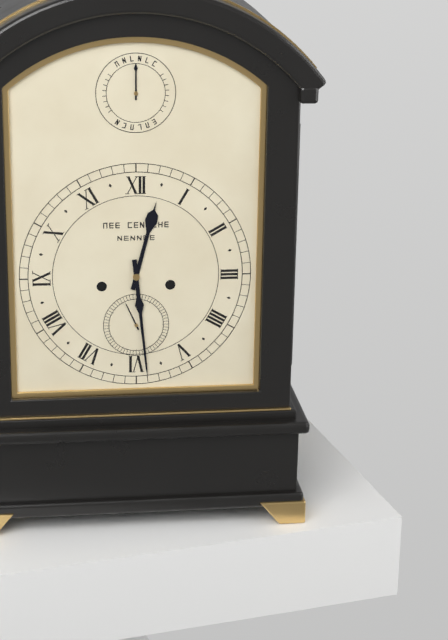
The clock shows 12.29
